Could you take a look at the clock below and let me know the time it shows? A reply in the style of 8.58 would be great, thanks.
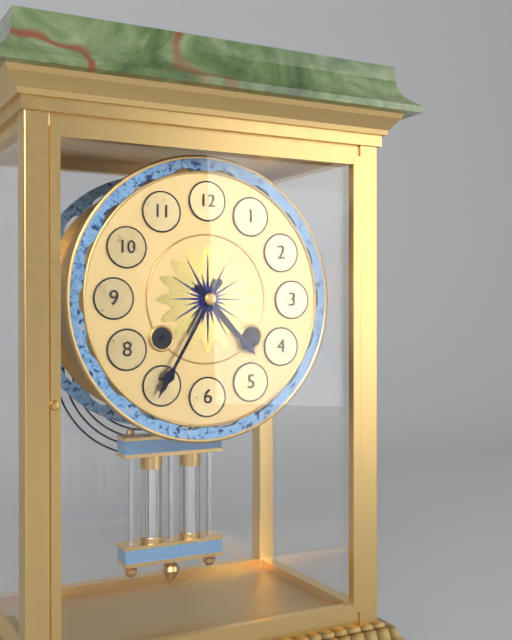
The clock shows 4.35
